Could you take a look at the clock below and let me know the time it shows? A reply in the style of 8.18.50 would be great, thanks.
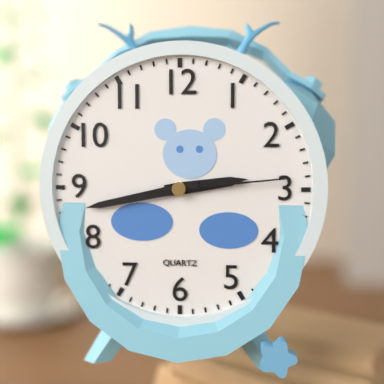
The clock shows 2.43.14
